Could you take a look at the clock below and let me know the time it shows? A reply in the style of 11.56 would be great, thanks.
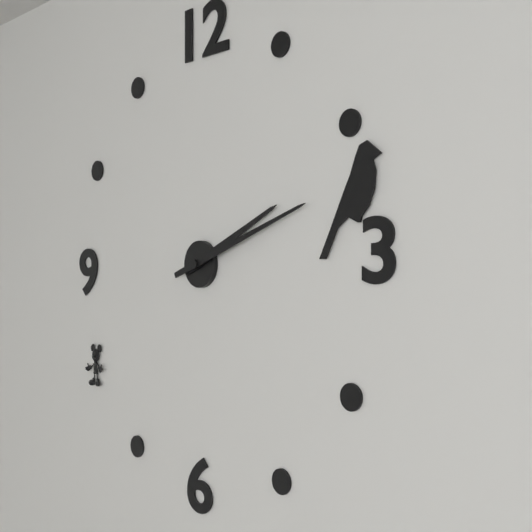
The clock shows 2.12
